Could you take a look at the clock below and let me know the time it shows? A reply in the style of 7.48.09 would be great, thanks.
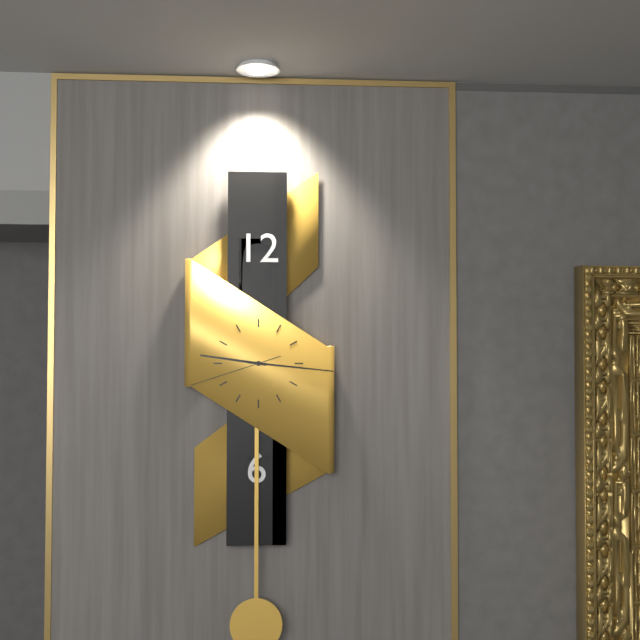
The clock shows 9.16.42
